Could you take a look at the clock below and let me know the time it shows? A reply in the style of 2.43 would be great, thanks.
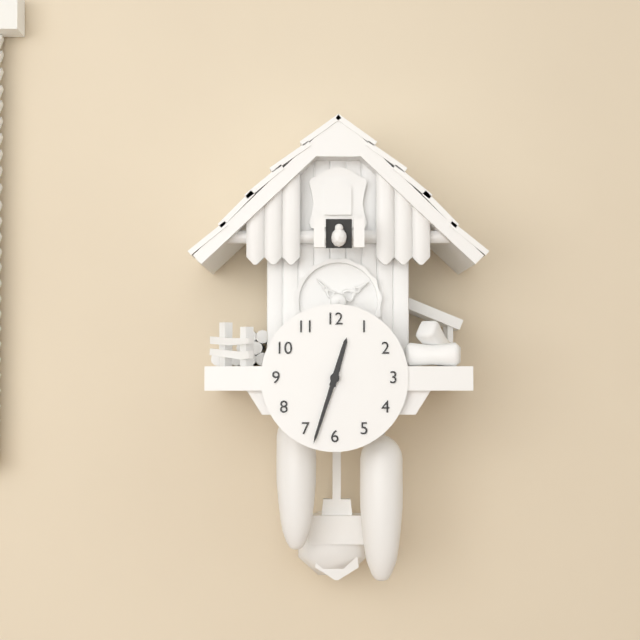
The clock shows 12.33
